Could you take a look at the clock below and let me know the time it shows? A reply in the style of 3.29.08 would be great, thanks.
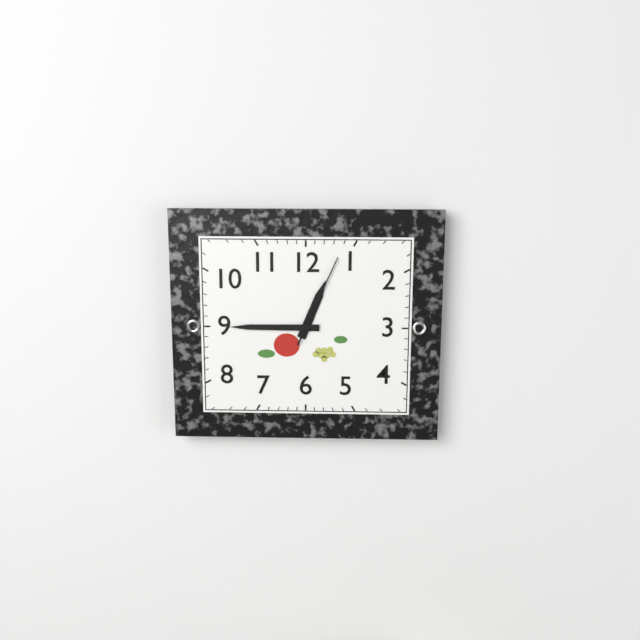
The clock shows 12.45.04
